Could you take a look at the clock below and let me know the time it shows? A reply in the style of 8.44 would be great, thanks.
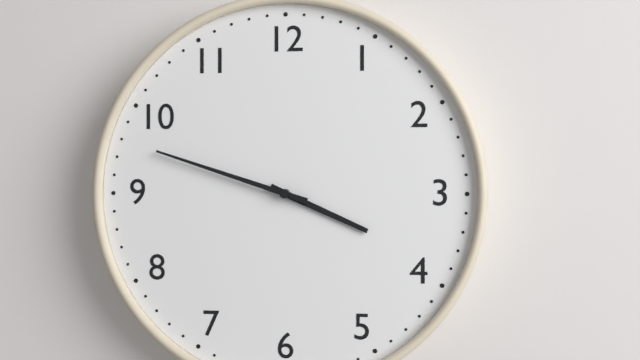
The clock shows 3.48
